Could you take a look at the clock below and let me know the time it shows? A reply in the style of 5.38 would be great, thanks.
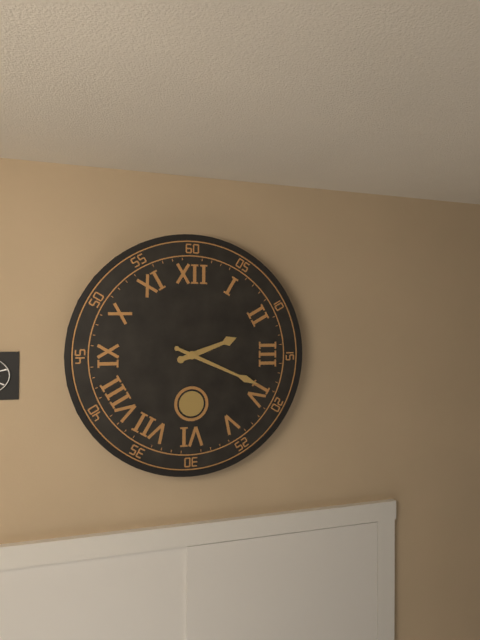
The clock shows 2.19
